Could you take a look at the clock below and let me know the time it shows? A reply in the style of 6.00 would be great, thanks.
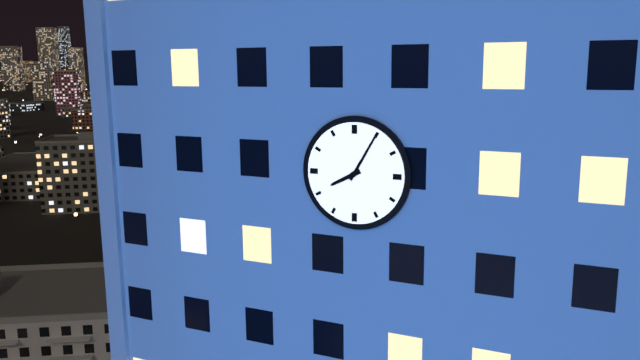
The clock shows 8.05
